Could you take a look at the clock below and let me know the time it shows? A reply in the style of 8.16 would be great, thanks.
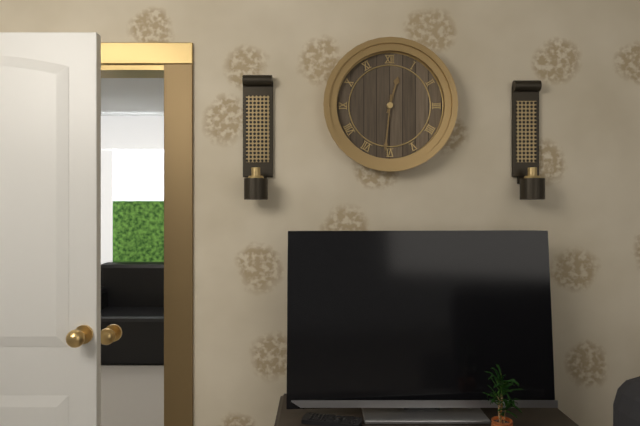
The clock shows 12.31
